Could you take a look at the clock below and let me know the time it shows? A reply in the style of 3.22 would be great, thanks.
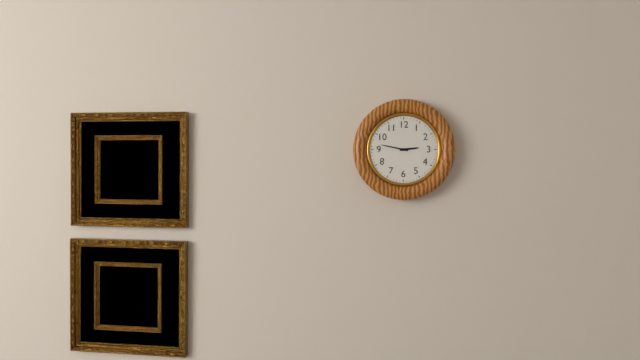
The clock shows 2.47
